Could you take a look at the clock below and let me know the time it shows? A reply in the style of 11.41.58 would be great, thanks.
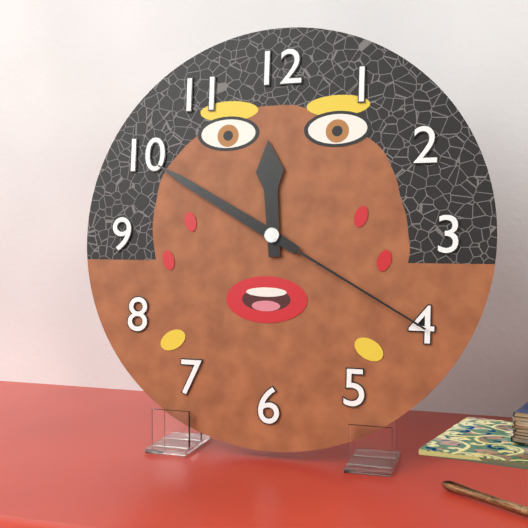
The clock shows 11.50.20
